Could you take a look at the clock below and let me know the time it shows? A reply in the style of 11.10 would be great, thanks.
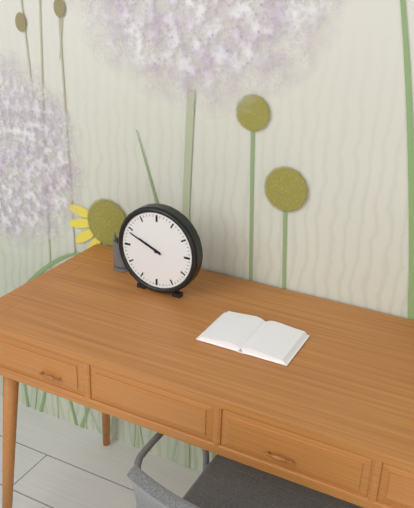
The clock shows 9.49
